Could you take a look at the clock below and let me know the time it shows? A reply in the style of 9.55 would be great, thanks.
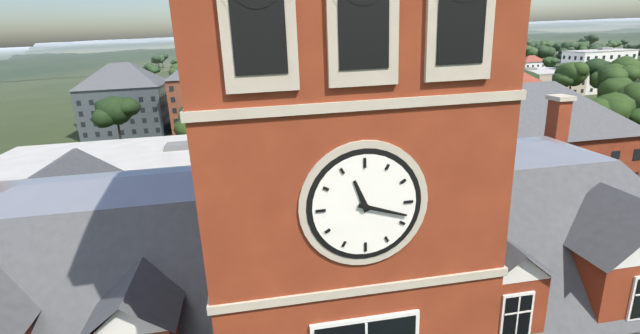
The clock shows 11.18
